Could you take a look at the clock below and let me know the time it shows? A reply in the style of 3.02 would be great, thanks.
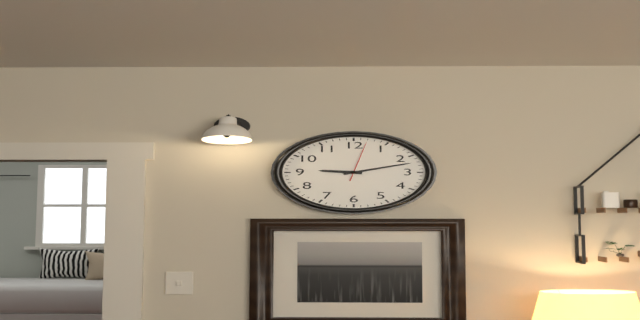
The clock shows 9.12
